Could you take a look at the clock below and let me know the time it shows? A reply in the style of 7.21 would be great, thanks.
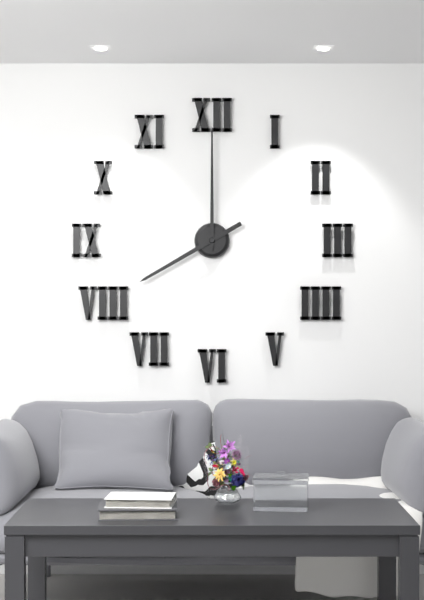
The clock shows 8.00
